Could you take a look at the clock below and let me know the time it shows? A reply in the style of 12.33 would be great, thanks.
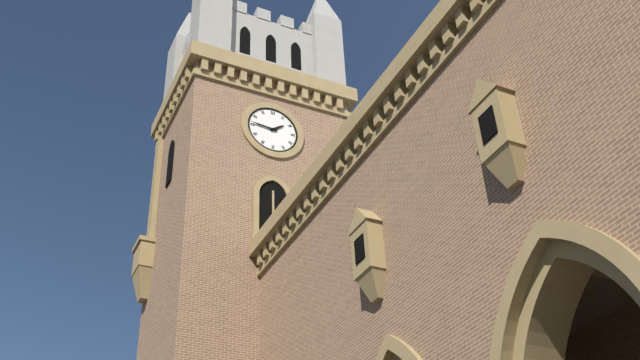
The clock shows 1.46
